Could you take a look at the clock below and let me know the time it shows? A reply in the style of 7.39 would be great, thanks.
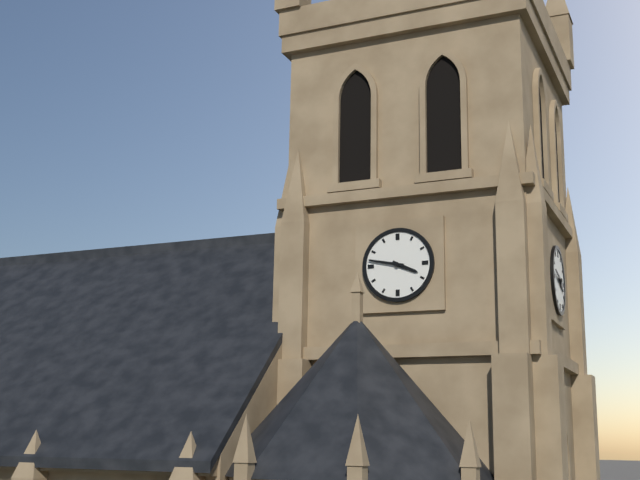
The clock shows 3.47
